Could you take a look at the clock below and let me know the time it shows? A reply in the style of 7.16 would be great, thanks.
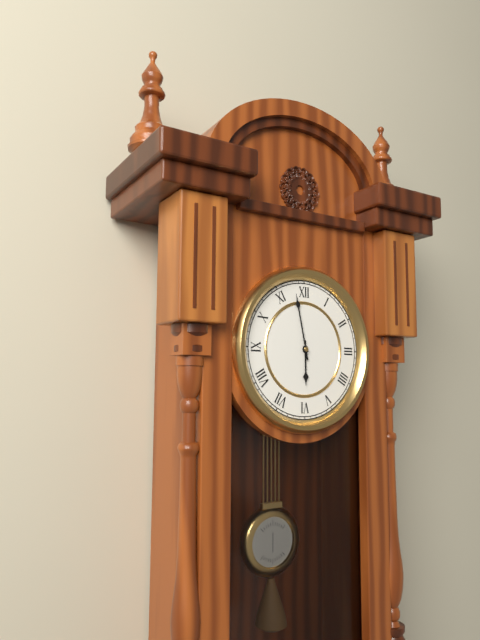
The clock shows 5.58
